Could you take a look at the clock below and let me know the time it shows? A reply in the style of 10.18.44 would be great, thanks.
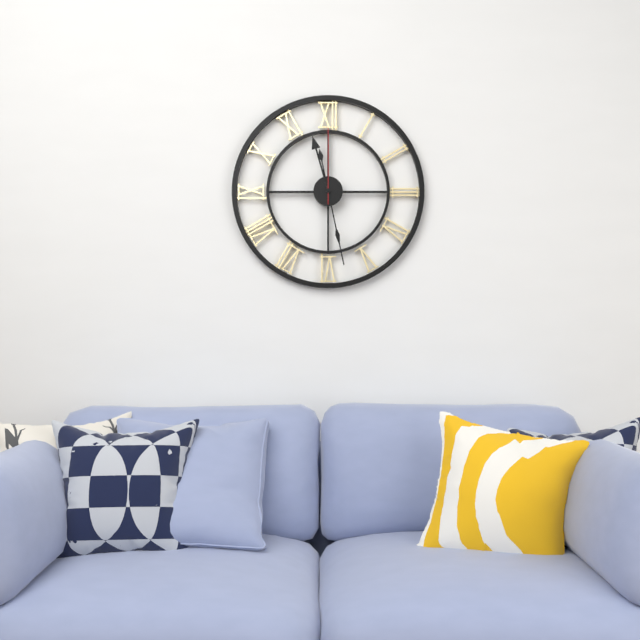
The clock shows 11.28.00
